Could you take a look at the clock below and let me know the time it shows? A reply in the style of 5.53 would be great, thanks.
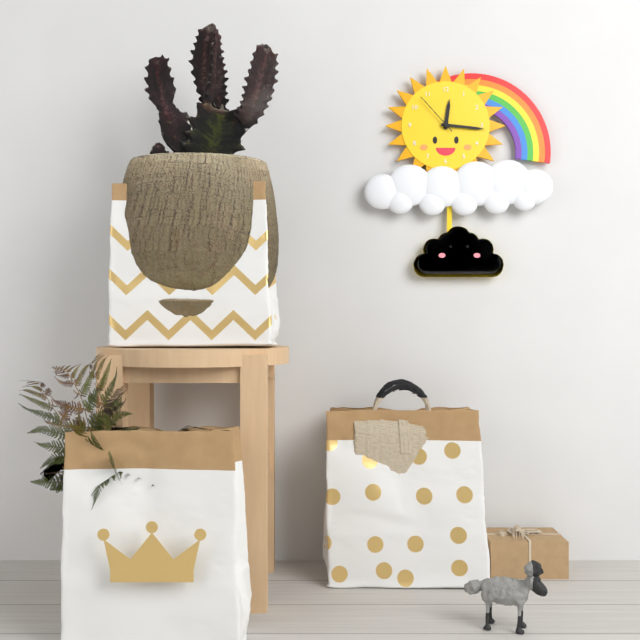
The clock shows 12.16
